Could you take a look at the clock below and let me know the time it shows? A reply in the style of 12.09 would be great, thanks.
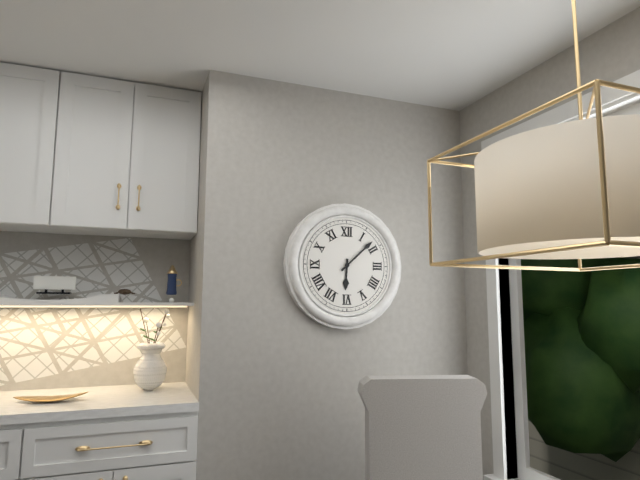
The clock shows 6.08
